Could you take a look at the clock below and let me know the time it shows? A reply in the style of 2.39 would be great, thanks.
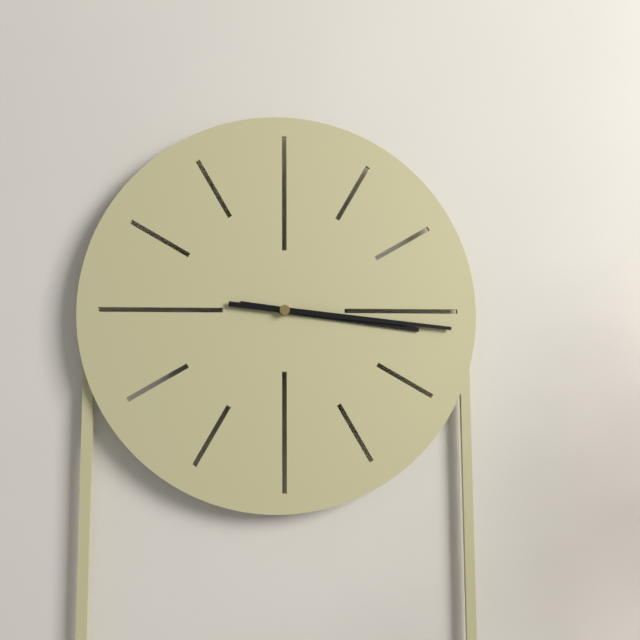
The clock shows 3.16
